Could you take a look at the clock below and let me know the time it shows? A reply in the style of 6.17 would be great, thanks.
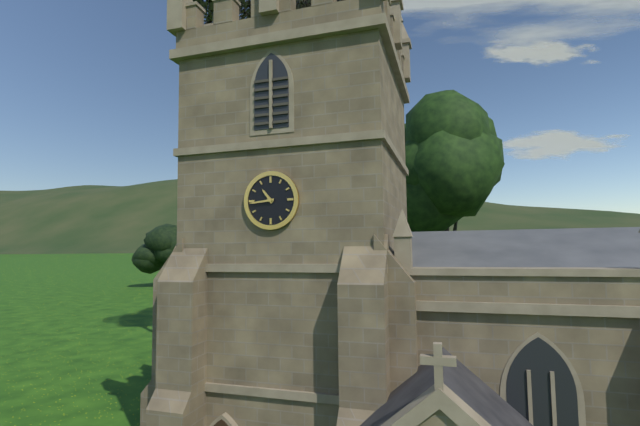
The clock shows 10.44
